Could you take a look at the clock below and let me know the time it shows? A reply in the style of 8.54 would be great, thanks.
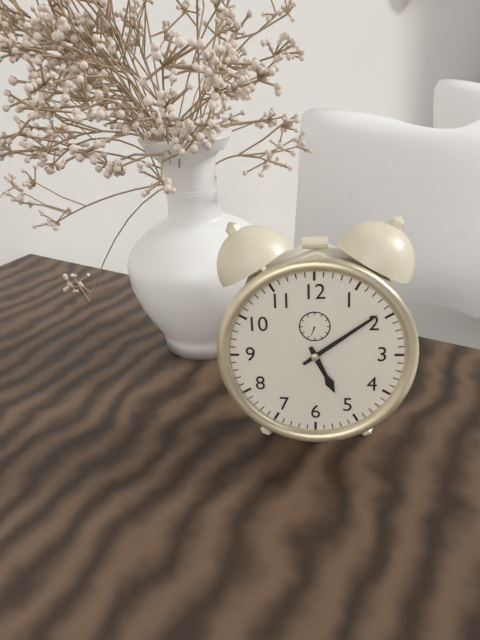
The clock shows 5.09
